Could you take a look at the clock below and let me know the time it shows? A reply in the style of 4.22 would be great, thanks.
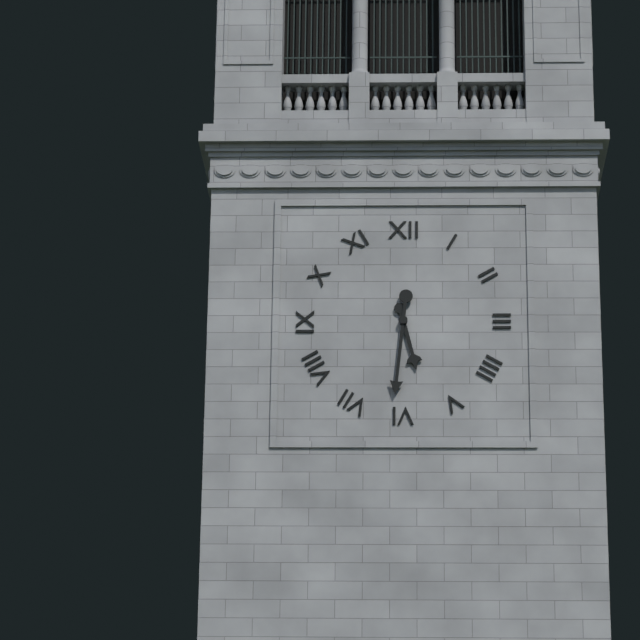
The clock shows 5.31
